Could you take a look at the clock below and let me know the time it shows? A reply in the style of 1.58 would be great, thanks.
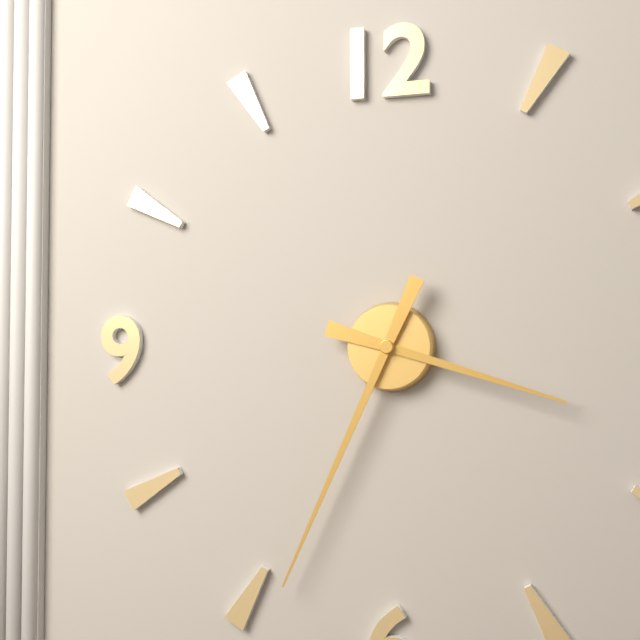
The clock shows 3.34
